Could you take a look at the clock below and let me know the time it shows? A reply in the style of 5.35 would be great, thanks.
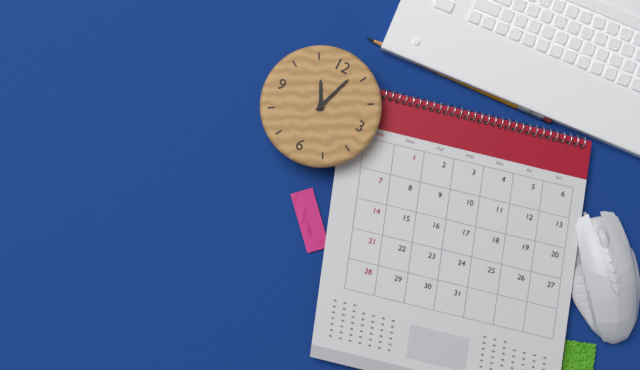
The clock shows 11.03
